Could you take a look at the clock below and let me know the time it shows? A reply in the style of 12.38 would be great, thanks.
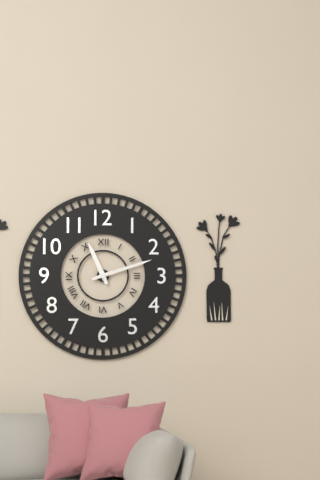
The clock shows 11.12
